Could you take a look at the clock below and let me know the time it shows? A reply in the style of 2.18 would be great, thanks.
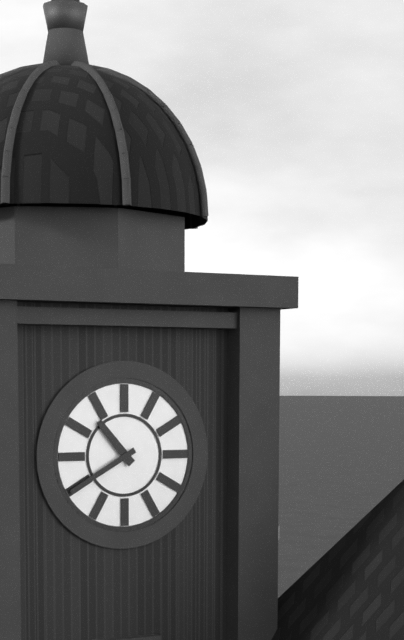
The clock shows 10.40
